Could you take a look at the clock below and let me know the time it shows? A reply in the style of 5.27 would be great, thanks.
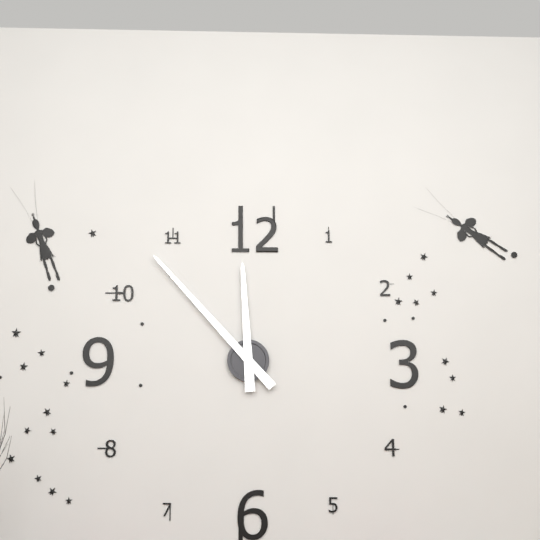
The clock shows 11.53
